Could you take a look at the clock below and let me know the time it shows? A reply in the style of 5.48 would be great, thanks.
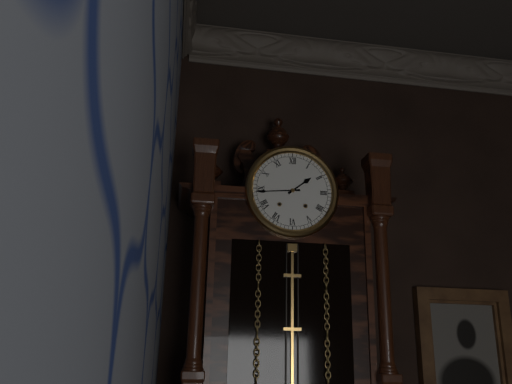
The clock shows 1.44
